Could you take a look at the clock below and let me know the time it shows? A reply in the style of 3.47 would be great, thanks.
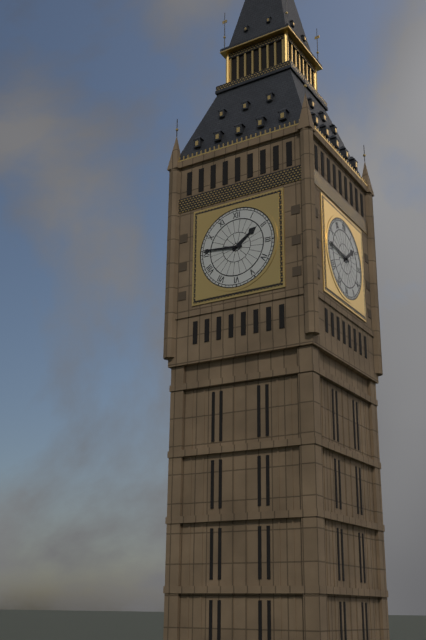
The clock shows 1.46
